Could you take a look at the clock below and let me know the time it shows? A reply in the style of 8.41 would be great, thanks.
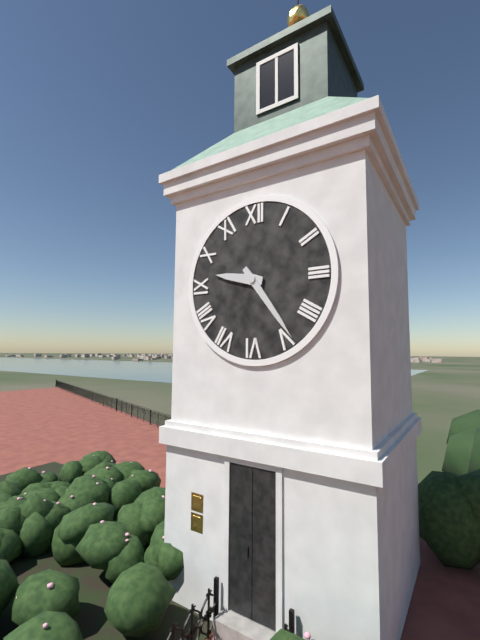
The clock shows 9.24
